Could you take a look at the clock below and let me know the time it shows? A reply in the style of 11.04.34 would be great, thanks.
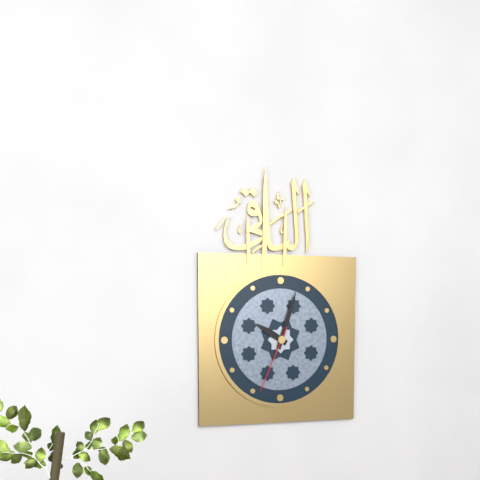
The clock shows 10.03.34
